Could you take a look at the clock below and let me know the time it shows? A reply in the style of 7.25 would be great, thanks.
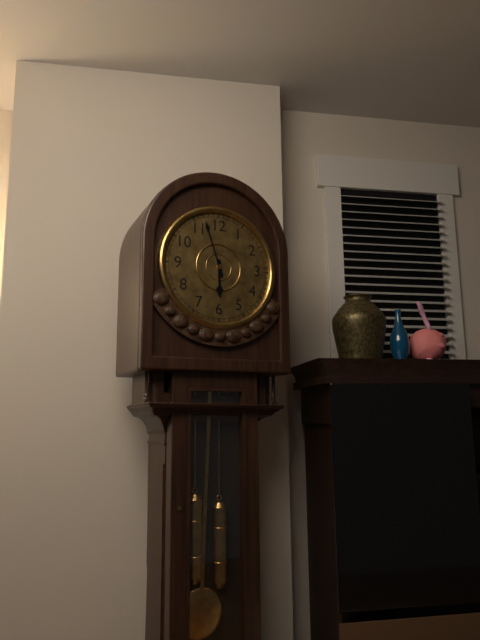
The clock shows 5.57
